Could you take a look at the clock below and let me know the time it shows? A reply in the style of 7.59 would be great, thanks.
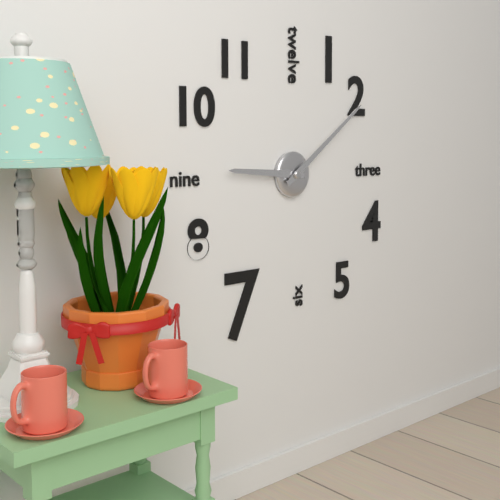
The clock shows 9.09
